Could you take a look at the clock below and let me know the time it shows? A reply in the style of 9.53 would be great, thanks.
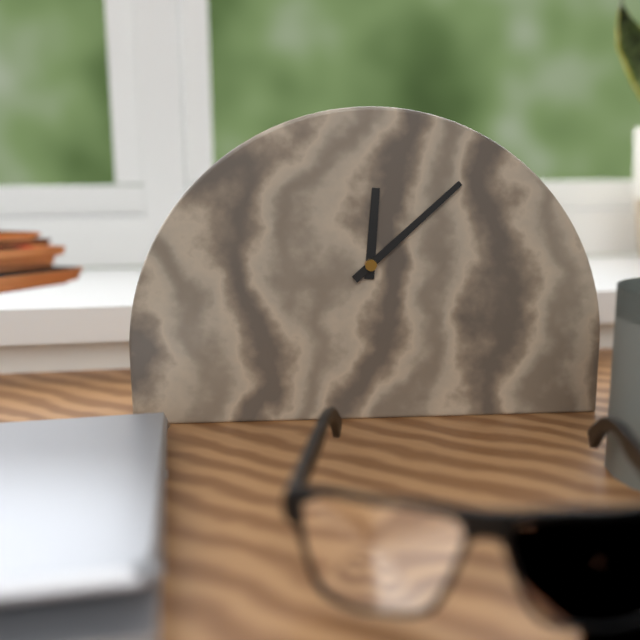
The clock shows 12.08
